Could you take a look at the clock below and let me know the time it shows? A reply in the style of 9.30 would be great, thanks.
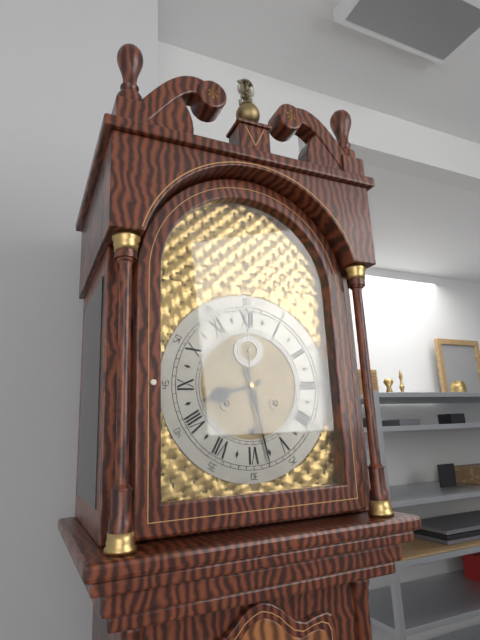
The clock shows 8.28
